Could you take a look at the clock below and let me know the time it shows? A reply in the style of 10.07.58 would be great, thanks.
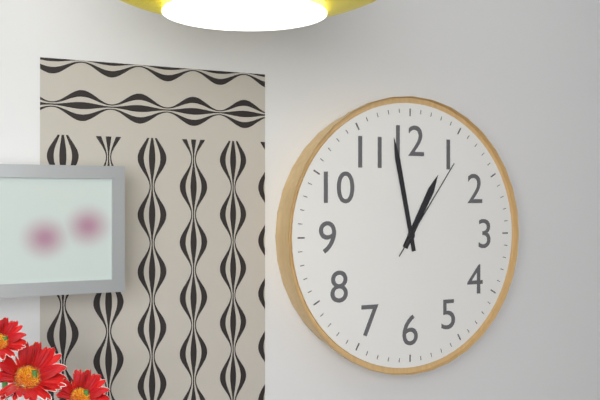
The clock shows 12.58.06
